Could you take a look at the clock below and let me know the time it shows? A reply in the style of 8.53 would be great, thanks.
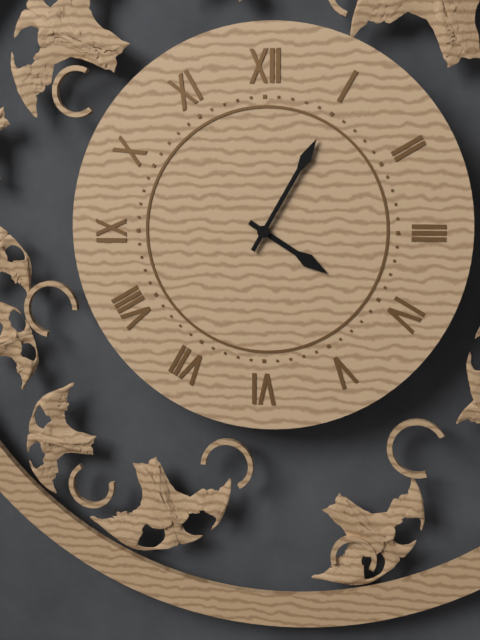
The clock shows 4.05
